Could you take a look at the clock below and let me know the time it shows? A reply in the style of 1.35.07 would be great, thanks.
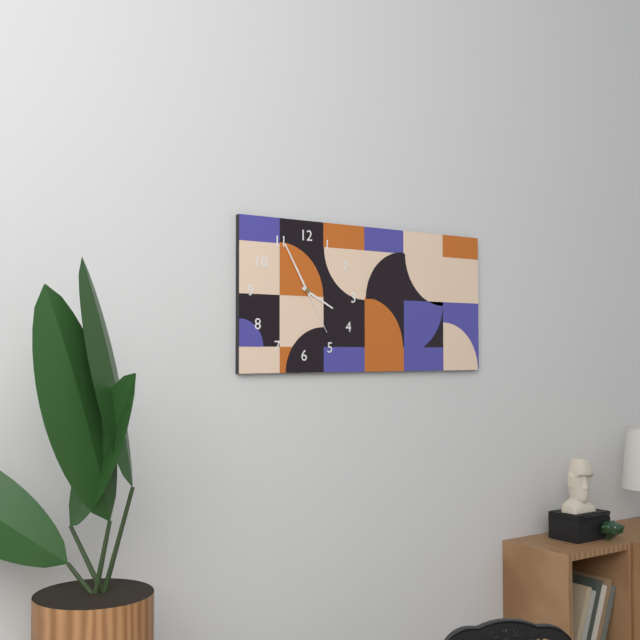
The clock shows 3.55.25
